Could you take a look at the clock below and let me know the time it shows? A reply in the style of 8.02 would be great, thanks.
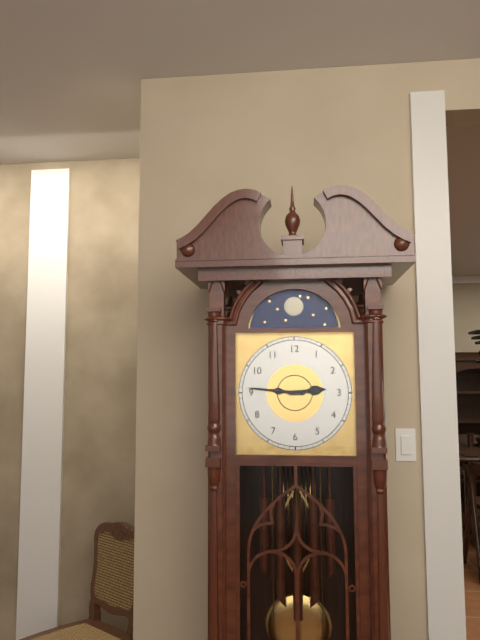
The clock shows 2.46
